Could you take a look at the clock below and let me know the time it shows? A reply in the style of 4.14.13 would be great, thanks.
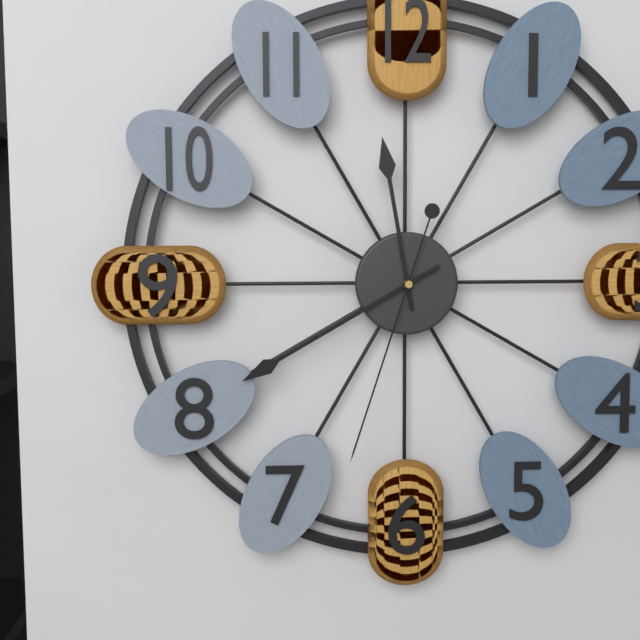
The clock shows 11.40.33
